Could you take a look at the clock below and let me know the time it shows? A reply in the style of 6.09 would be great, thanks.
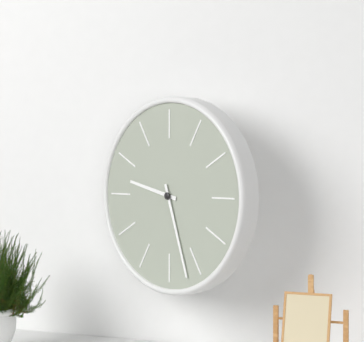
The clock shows 9.27
